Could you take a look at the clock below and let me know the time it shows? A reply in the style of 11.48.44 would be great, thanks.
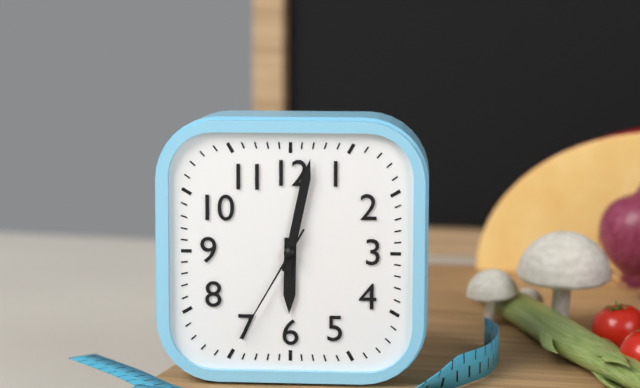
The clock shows 6.02.35
